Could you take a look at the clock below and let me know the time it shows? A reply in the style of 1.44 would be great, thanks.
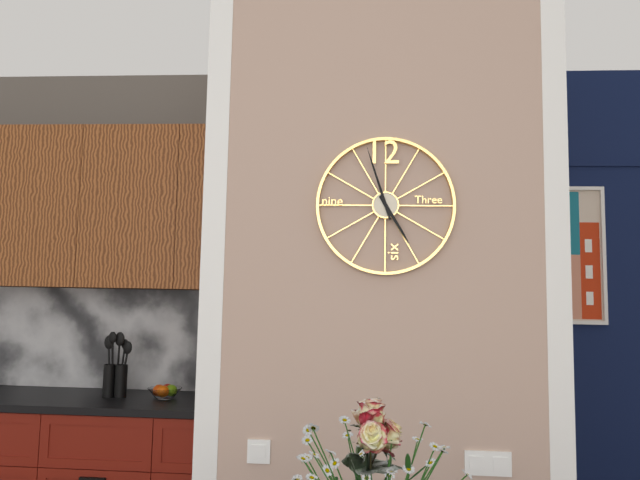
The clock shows 4.57
